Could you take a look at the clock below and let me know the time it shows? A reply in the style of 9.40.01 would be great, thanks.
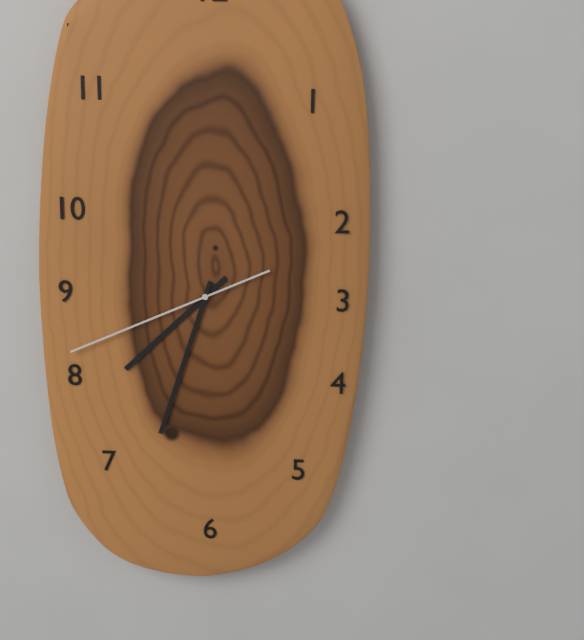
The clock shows 7.33.41
